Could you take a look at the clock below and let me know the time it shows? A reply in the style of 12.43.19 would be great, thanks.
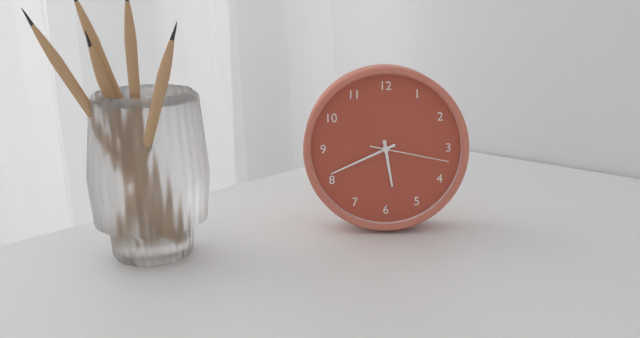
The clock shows 5.41.17
